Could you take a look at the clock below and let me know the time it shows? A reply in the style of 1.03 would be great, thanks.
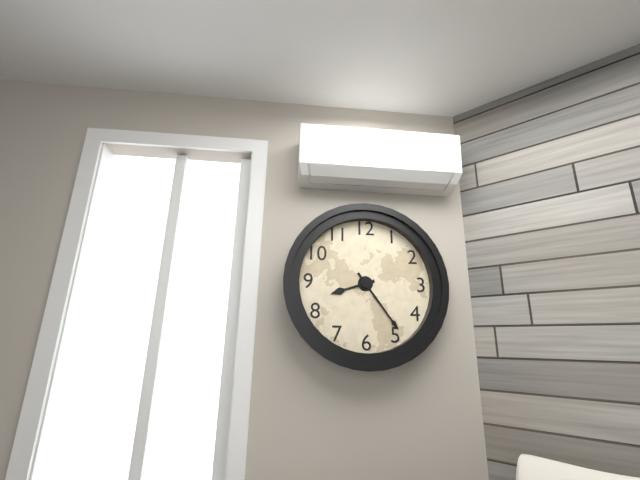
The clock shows 8.24
